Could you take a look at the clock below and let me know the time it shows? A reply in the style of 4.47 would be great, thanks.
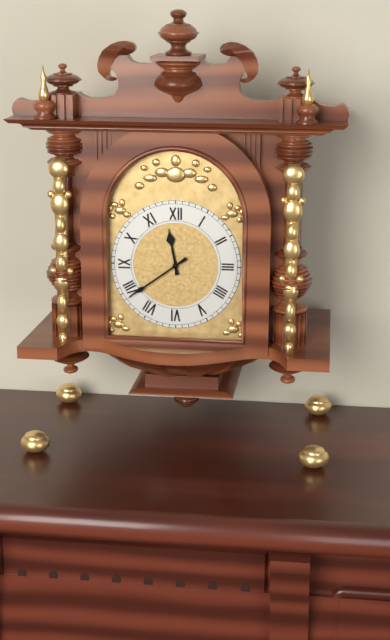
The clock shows 11.39
